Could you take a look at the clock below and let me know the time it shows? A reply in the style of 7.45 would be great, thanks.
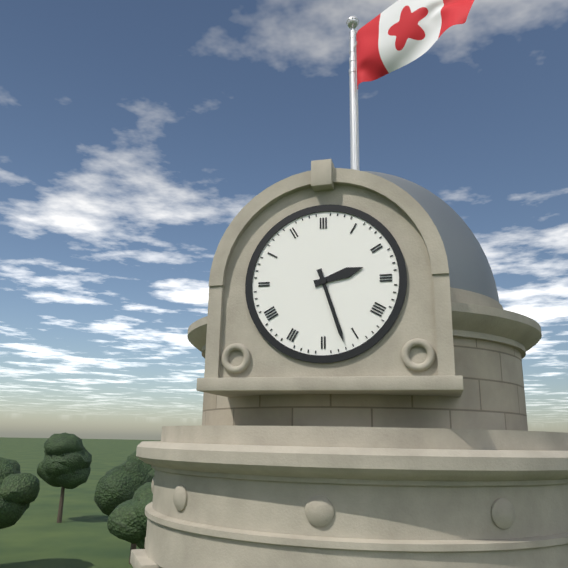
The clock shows 2.27
